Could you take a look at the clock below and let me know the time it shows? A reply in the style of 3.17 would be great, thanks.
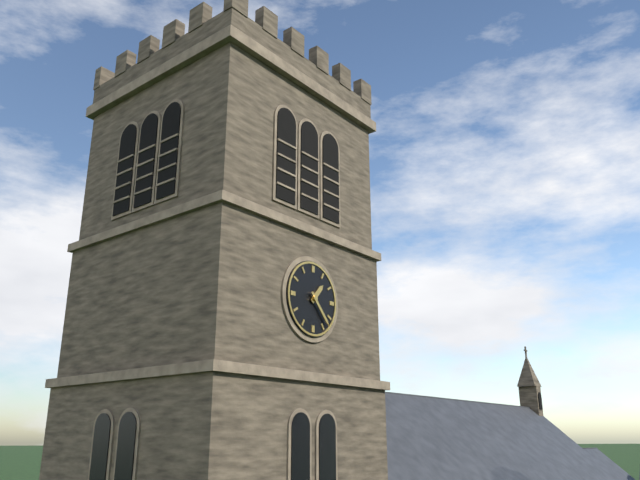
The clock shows 1.23
